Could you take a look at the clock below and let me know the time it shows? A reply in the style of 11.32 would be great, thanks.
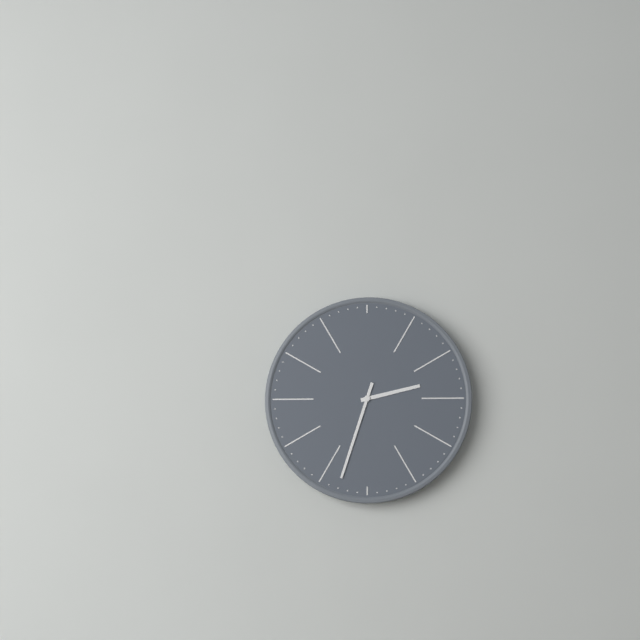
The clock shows 2.33
